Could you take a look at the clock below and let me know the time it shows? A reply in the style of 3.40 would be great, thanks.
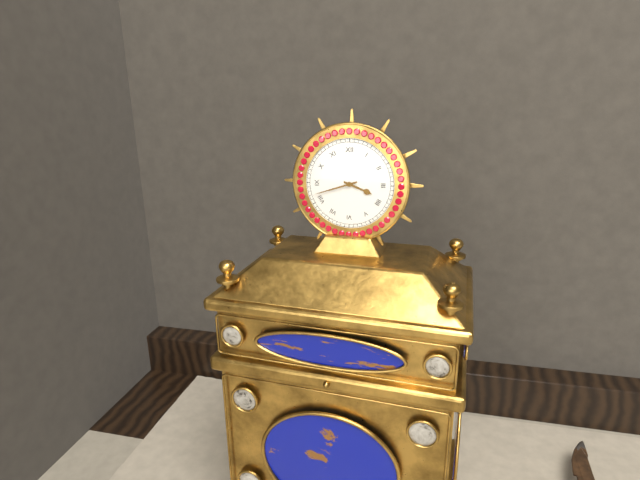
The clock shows 3.42
